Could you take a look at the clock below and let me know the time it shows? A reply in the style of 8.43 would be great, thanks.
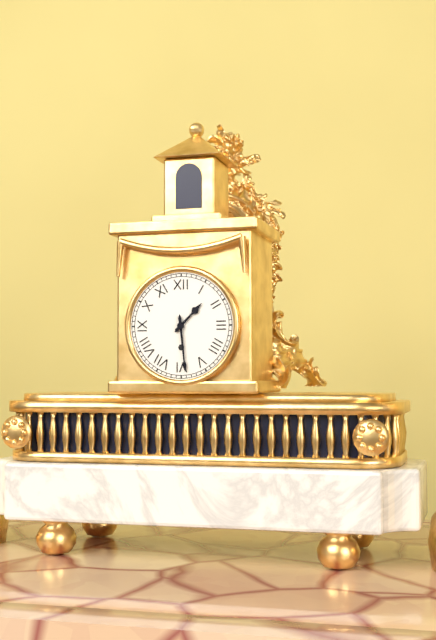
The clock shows 1.29
